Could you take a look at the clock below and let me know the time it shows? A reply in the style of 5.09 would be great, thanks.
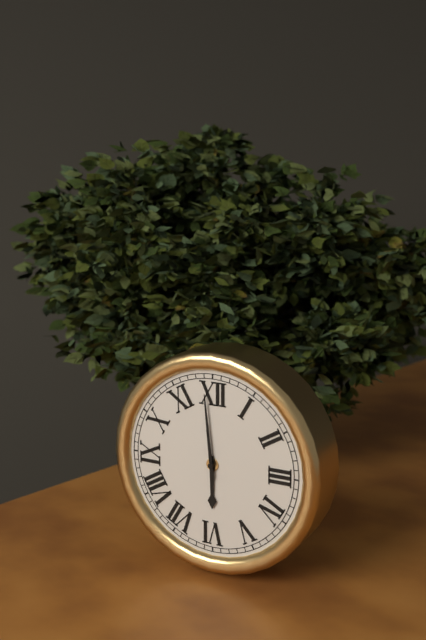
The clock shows 5.59
